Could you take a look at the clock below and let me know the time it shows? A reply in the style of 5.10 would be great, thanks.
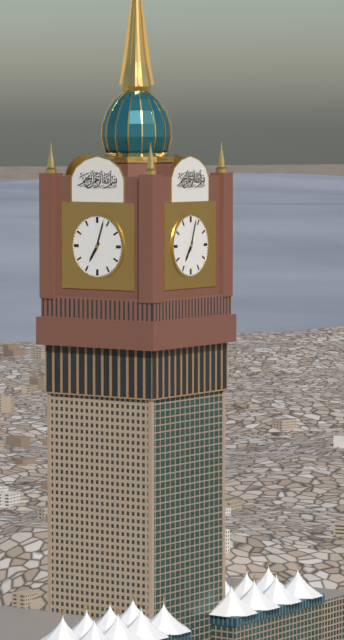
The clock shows 7.03
